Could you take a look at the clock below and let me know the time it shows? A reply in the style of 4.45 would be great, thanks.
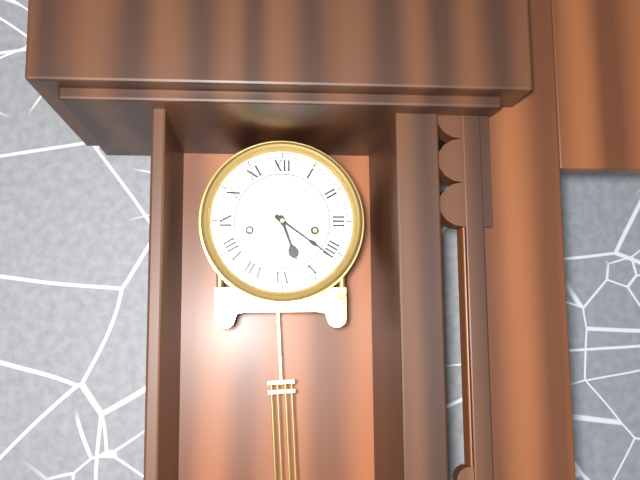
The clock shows 5.21
